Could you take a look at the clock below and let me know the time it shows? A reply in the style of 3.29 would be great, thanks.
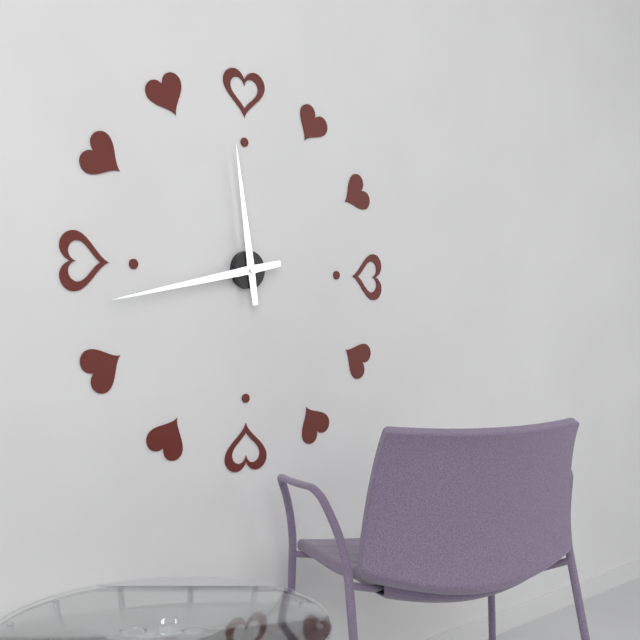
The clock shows 11.43
